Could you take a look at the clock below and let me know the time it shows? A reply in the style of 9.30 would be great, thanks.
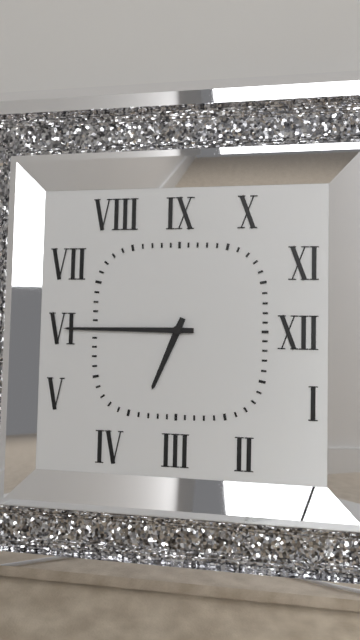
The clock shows 6.45
